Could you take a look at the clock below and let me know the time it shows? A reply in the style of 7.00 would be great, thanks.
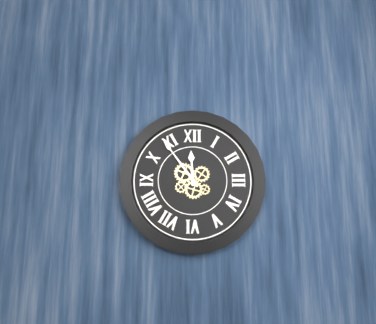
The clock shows 11.54
